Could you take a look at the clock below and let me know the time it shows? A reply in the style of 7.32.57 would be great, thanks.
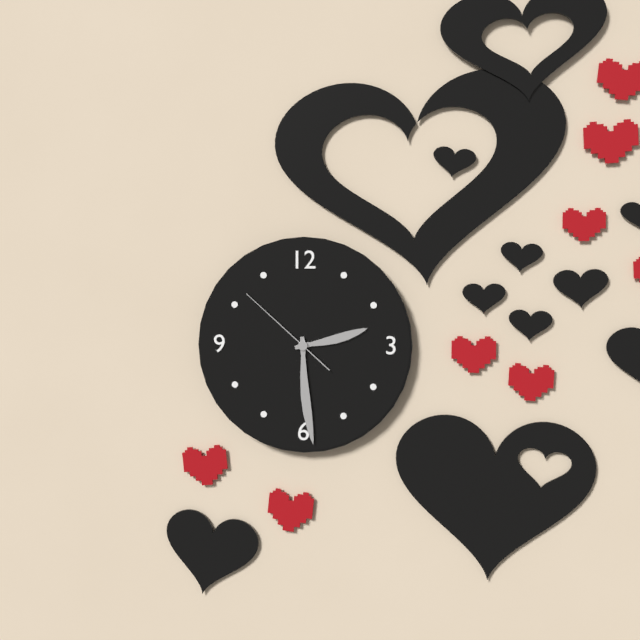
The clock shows 2.29.52
